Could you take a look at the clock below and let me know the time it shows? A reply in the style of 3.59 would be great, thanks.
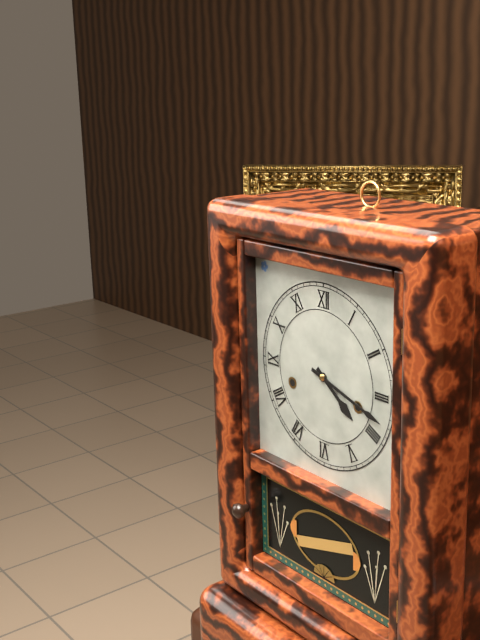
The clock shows 4.18
